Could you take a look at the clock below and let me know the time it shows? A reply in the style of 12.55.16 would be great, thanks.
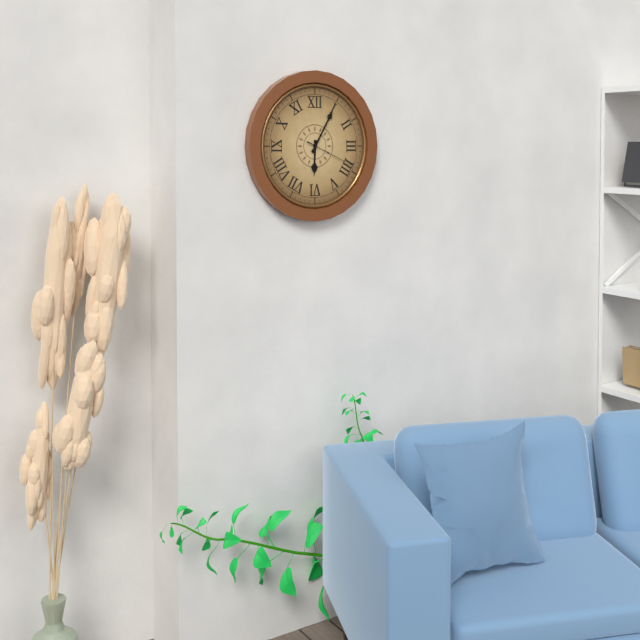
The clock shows 6.05.19
